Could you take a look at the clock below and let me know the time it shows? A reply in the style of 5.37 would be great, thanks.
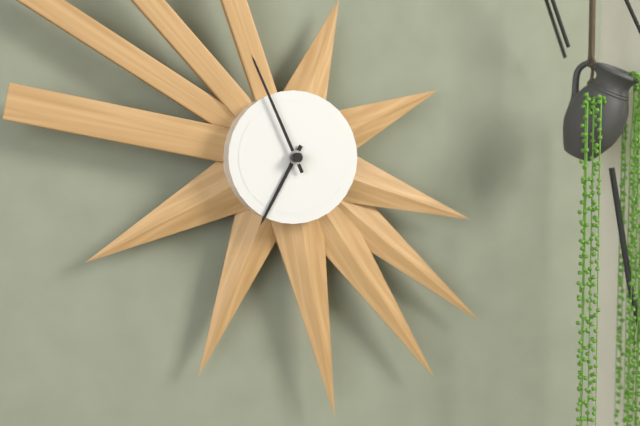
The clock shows 6.56
